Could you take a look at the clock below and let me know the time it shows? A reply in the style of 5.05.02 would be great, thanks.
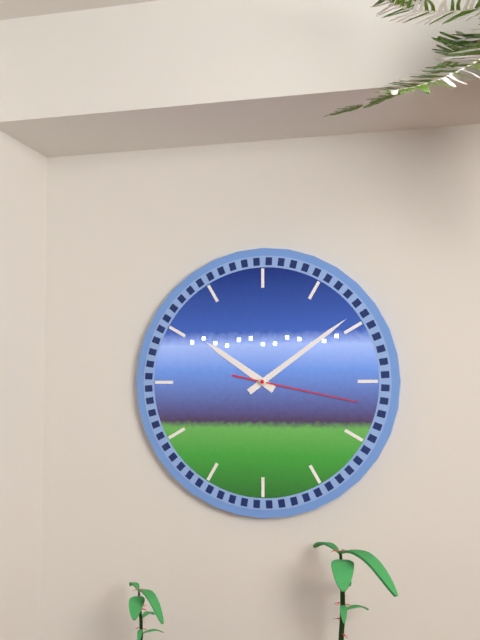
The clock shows 10.09.17
